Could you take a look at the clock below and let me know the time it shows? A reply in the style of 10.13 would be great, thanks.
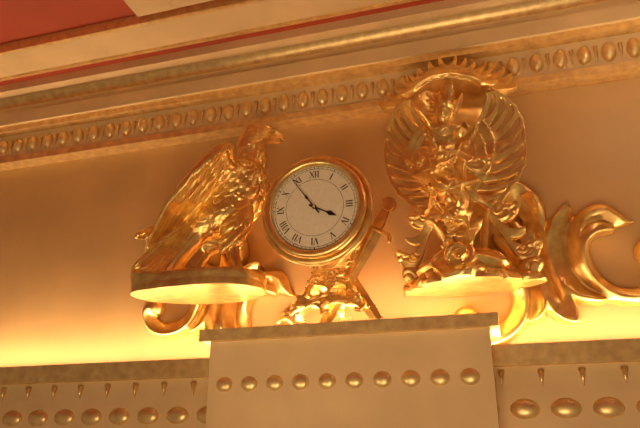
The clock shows 3.54
